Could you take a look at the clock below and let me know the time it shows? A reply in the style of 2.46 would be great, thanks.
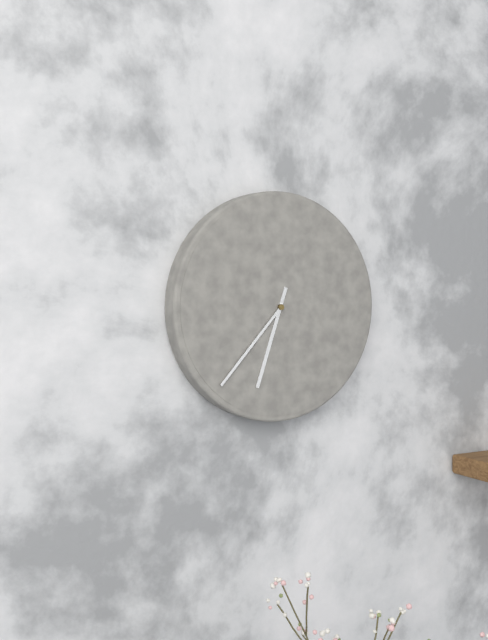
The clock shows 6.37
